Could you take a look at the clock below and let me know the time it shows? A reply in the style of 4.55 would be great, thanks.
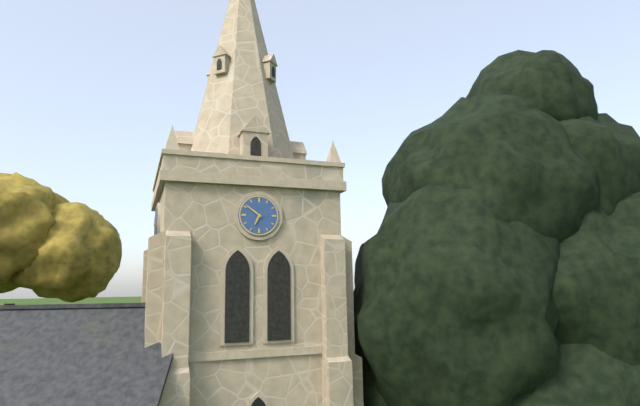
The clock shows 6.51
